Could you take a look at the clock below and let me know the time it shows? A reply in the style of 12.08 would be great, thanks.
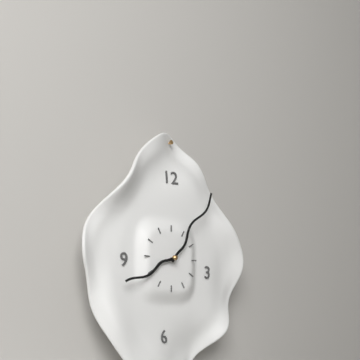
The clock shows 8.06
